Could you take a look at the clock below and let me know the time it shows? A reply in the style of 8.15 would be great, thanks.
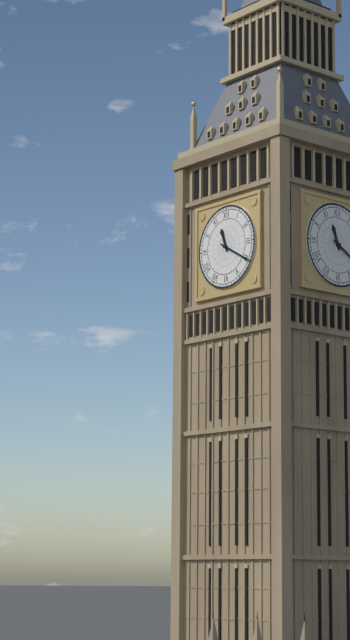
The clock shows 11.20
